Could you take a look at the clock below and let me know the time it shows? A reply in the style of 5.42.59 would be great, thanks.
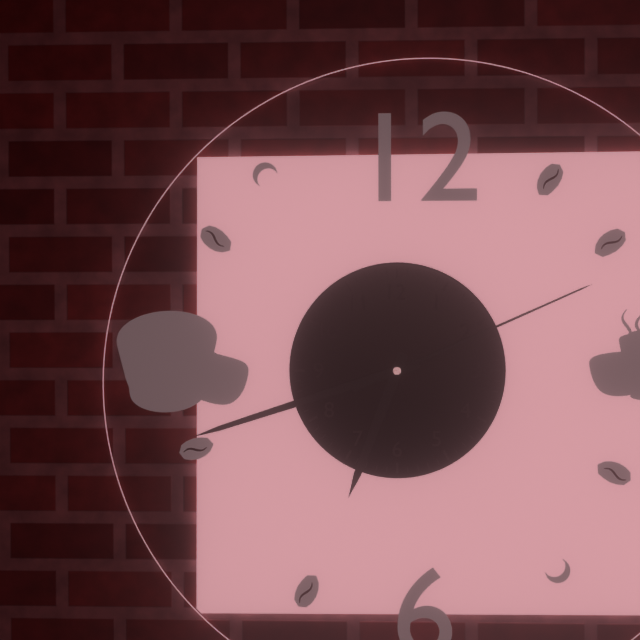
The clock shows 6.42.11
